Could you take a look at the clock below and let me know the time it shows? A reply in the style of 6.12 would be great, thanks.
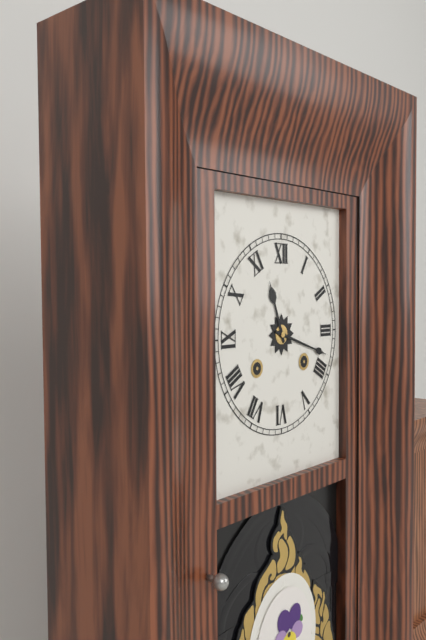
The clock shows 11.18
